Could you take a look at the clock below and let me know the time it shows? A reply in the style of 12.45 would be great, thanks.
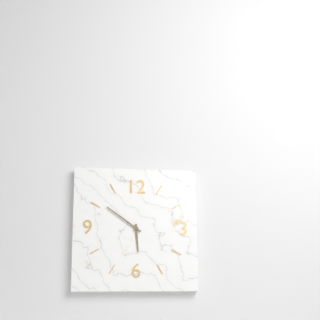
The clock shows 5.51
